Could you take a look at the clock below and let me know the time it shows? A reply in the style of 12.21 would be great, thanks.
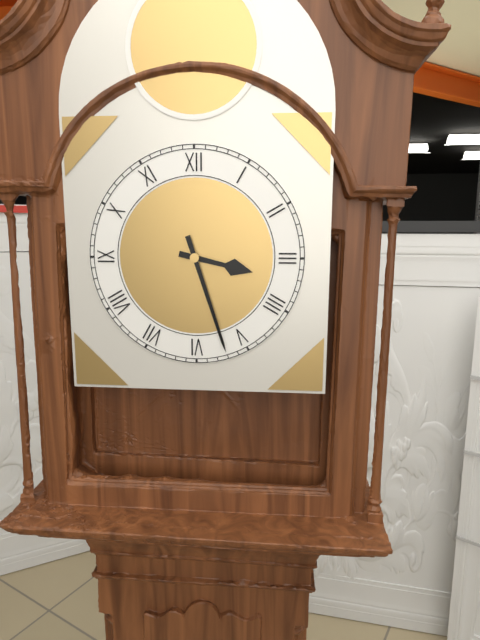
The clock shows 3.27
